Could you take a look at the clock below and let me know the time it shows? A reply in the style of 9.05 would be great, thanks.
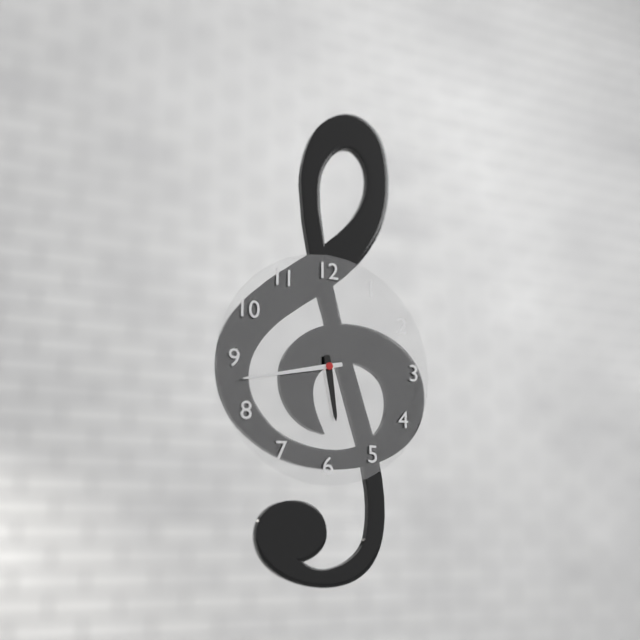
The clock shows 5.43
